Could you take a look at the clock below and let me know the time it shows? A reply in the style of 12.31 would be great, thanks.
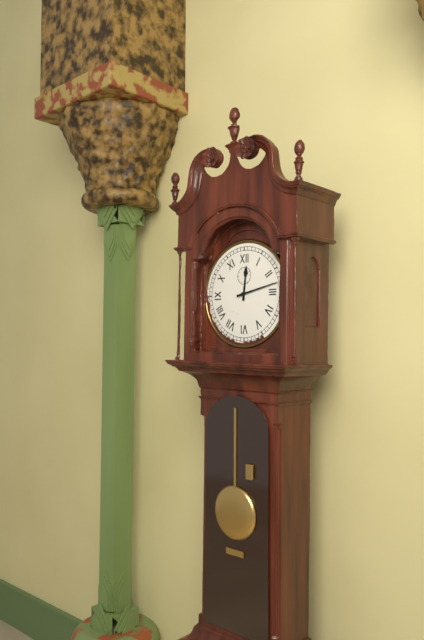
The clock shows 12.13
